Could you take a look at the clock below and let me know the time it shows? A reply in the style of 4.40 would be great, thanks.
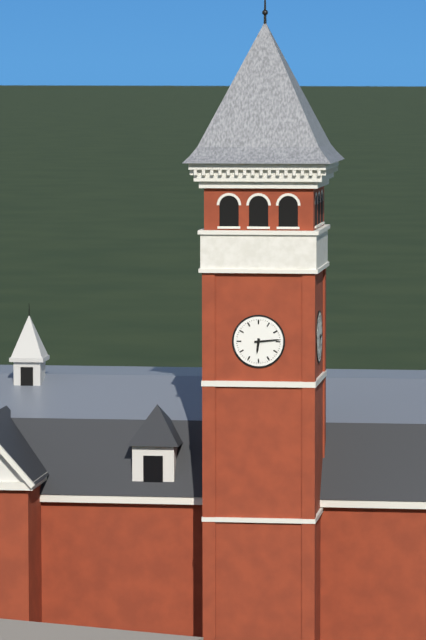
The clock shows 6.14
